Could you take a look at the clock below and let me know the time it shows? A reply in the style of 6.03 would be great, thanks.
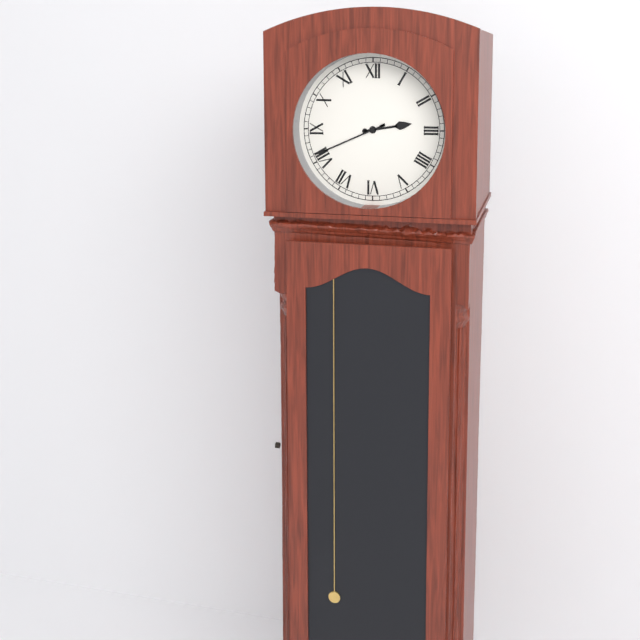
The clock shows 2.41
